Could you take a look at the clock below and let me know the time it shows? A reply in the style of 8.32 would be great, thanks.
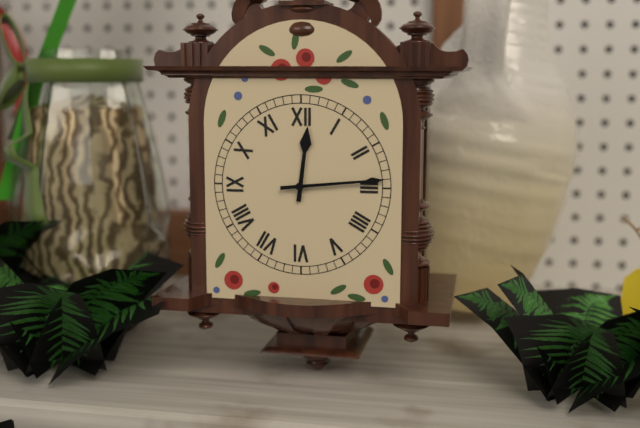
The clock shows 12.14
